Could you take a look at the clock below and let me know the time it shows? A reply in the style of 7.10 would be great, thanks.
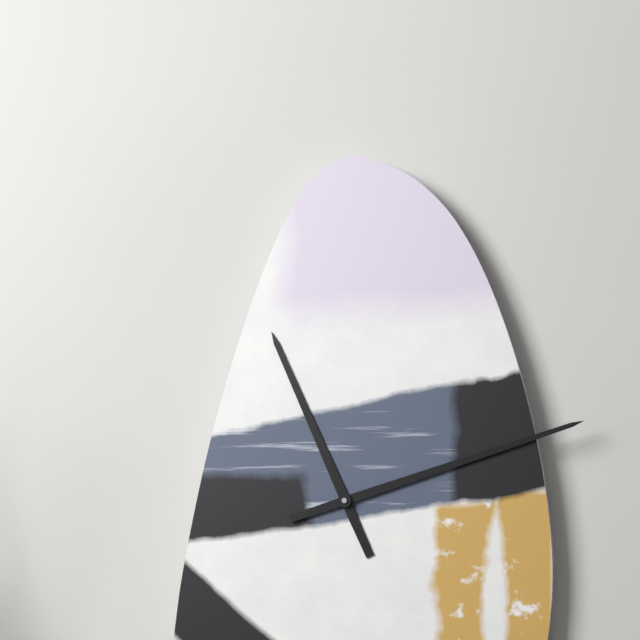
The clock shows 11.12
